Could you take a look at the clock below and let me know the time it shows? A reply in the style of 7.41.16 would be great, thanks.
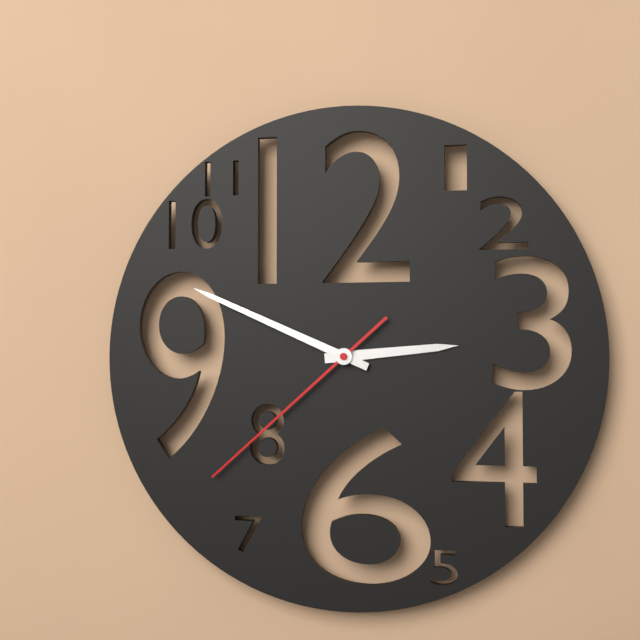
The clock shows 2.49.38
